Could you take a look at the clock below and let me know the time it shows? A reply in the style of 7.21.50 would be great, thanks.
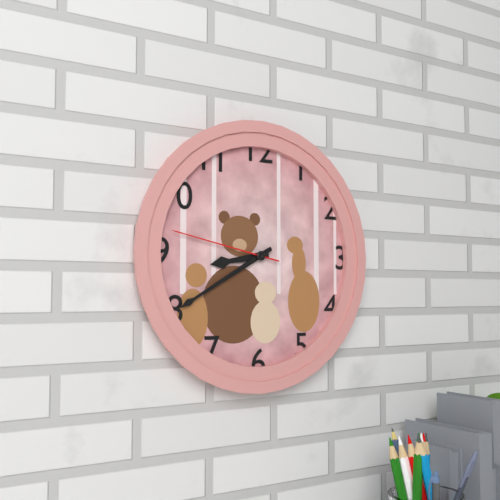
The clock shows 8.40.47
